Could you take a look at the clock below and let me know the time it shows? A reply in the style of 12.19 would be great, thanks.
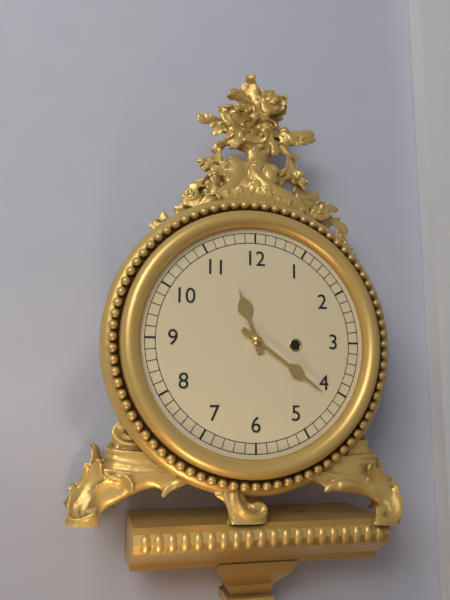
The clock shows 11.21
